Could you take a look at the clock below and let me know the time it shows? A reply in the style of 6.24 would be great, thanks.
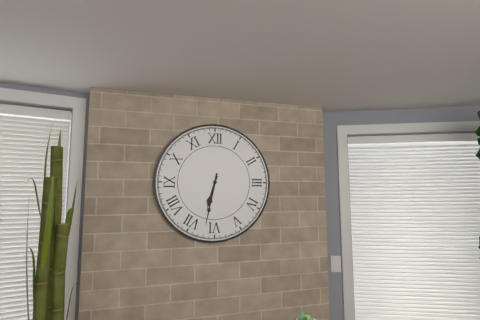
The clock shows 6.32
